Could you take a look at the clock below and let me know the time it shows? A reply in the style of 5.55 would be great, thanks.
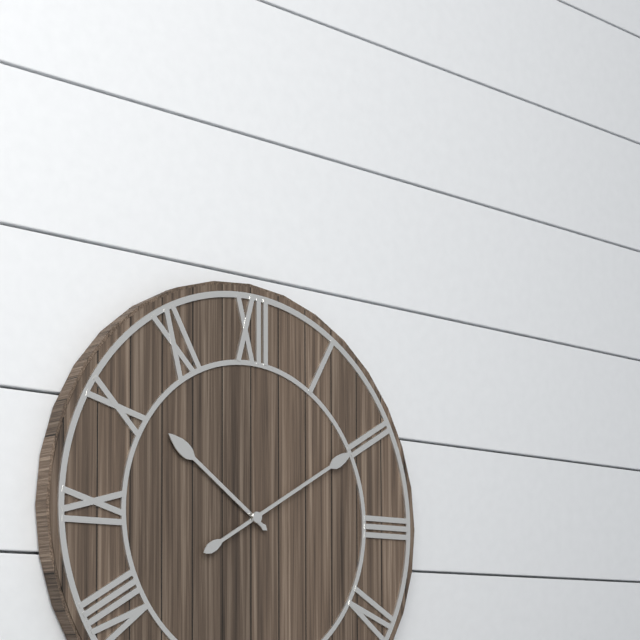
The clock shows 10.10
